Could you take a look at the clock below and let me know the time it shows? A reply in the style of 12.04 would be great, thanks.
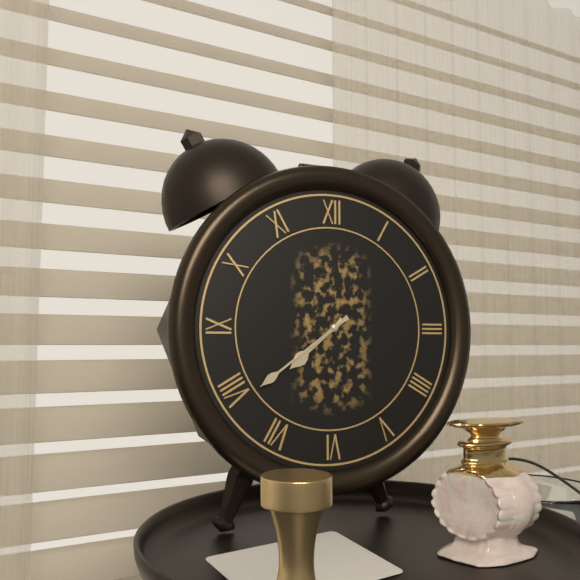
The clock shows 7.39
